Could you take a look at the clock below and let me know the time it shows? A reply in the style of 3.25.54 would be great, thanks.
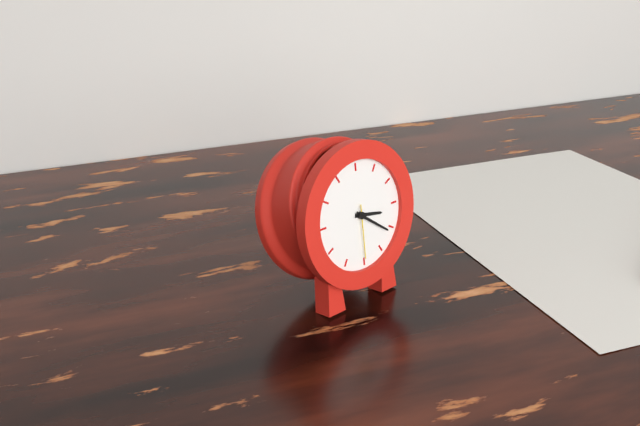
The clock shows 3.21.30
